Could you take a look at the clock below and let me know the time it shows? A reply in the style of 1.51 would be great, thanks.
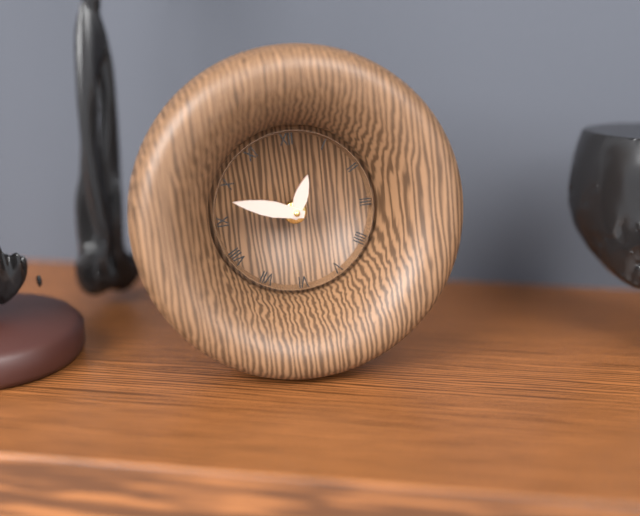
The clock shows 12.48
